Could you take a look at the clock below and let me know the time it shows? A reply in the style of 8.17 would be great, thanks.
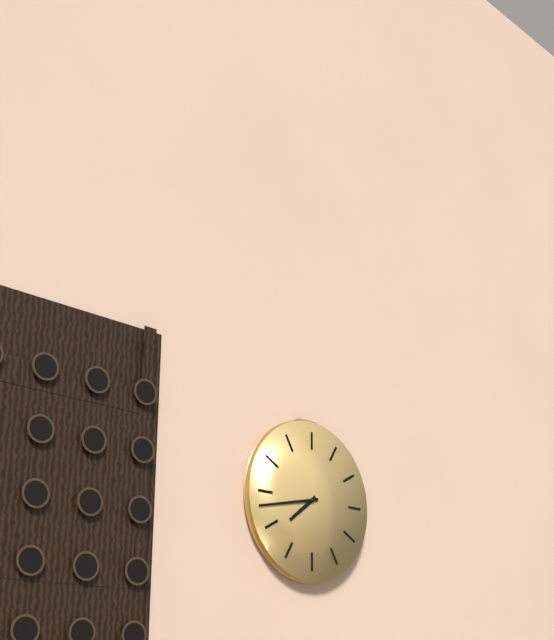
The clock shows 7.43
